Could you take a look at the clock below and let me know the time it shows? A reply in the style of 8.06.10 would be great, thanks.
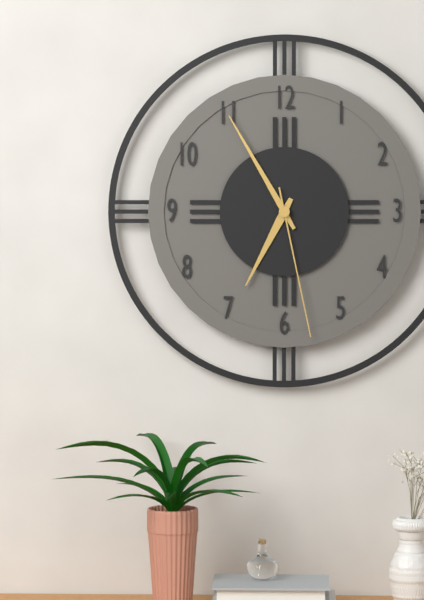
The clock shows 6.55.28
